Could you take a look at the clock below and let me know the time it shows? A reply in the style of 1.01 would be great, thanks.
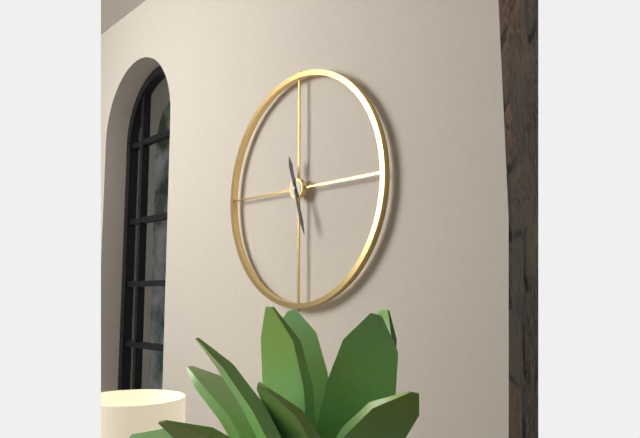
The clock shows 11.27
